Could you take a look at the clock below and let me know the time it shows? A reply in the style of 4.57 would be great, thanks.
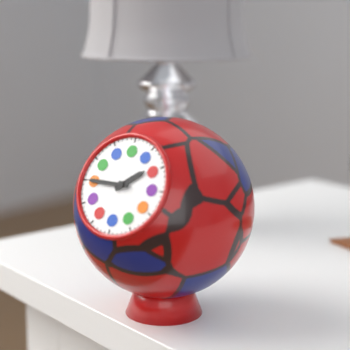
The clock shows 1.45
